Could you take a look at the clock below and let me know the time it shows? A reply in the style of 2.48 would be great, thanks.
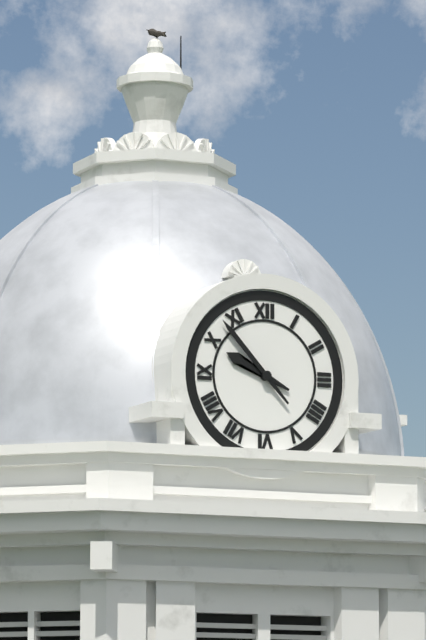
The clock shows 9.53
